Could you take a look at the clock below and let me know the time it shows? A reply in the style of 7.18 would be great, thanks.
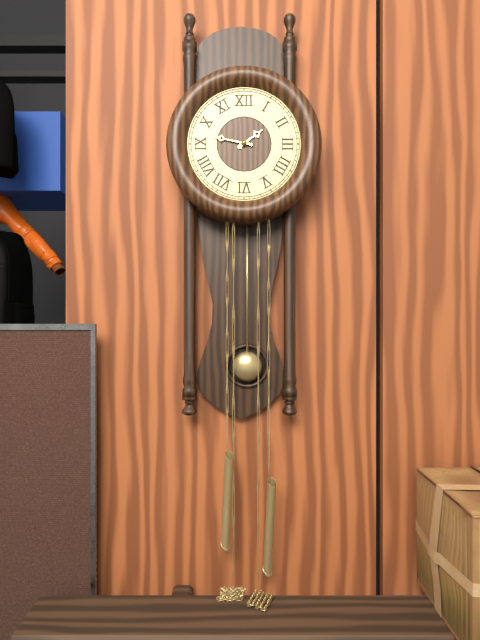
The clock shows 1.47
